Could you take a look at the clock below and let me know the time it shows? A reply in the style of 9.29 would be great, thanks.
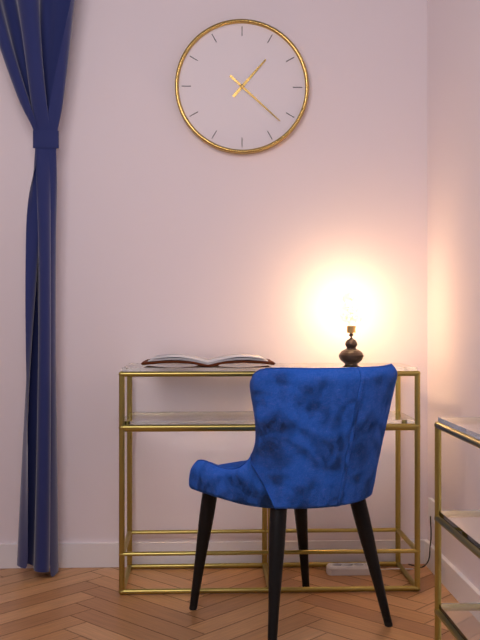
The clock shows 1.22
